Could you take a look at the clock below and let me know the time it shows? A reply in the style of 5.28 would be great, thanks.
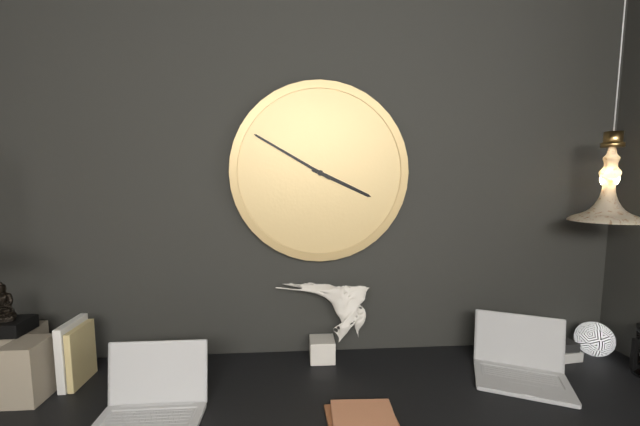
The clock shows 3.50
